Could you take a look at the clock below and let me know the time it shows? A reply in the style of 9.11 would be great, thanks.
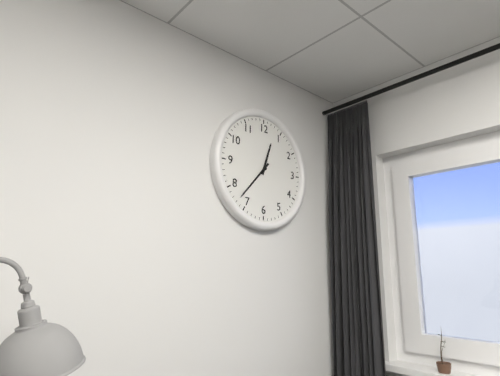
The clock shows 12.37
